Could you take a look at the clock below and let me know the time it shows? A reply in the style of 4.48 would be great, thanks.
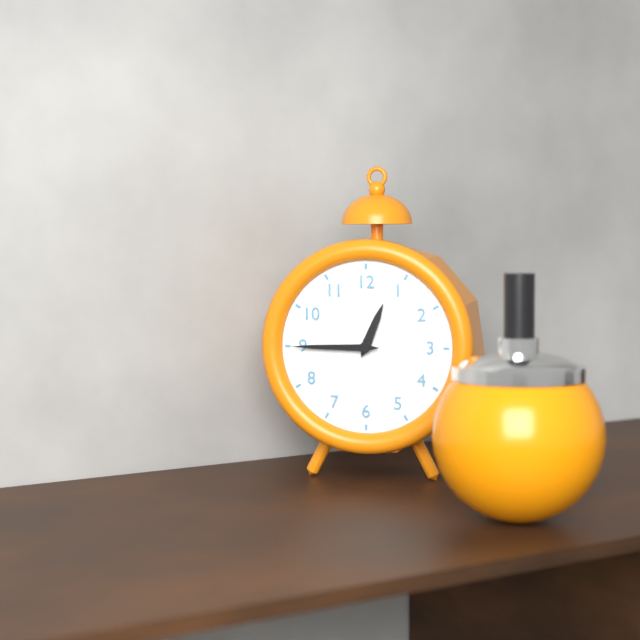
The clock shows 12.45
